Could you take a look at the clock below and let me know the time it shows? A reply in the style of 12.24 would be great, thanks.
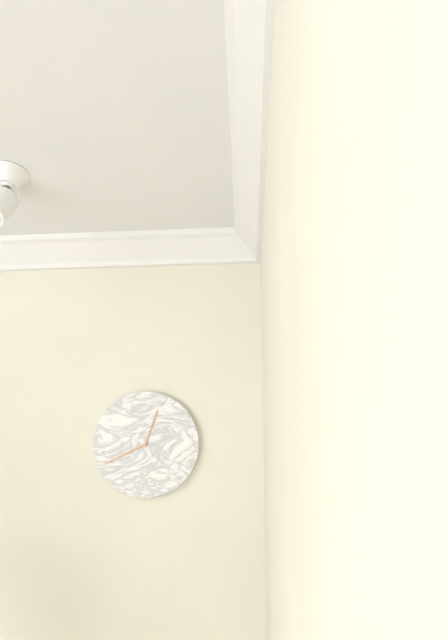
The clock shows 12.41
